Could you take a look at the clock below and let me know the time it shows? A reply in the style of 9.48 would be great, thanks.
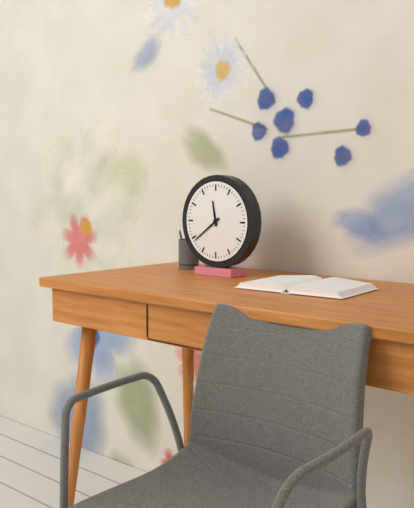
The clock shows 11.39
